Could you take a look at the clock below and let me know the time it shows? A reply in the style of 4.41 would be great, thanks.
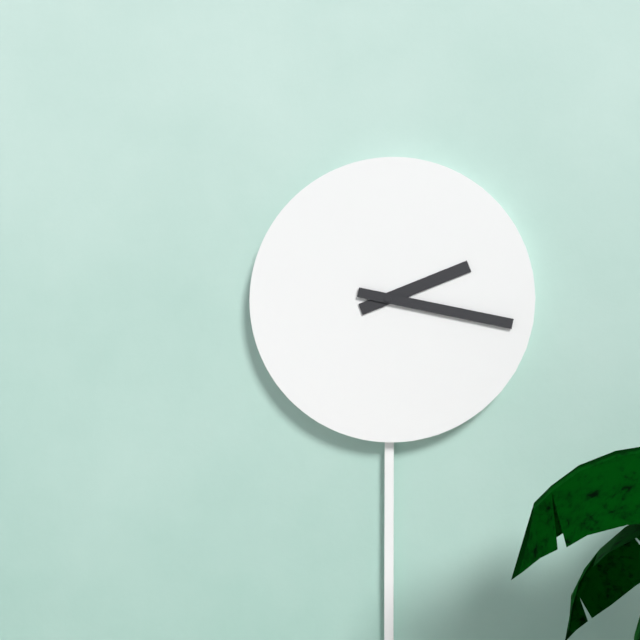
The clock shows 2.17
